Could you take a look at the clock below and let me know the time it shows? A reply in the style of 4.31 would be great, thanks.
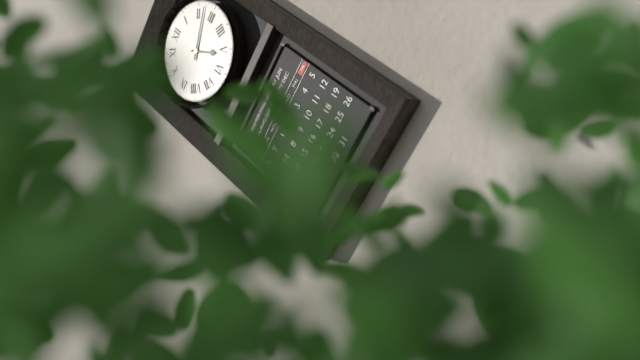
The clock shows 5.12
